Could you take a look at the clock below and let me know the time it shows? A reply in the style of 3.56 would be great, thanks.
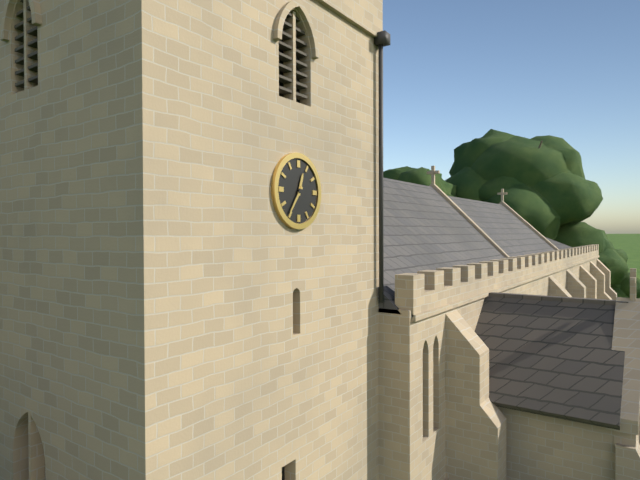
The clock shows 12.36
